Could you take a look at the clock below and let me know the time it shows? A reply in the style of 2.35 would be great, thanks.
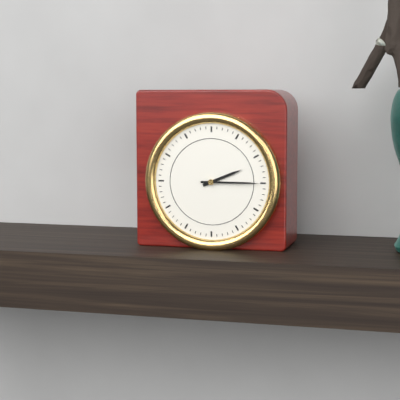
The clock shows 2.15
